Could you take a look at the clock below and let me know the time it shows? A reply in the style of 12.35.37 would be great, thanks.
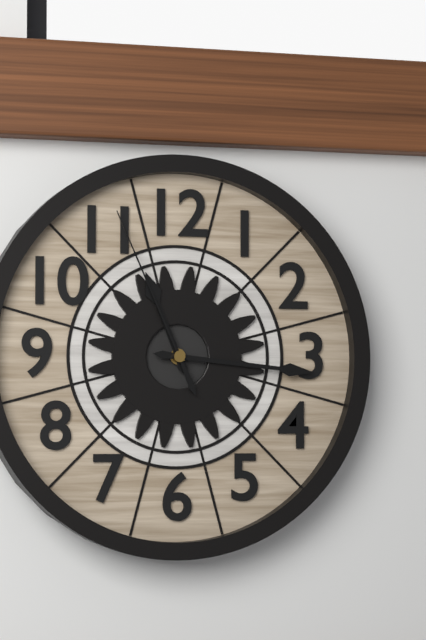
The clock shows 11.16.56
